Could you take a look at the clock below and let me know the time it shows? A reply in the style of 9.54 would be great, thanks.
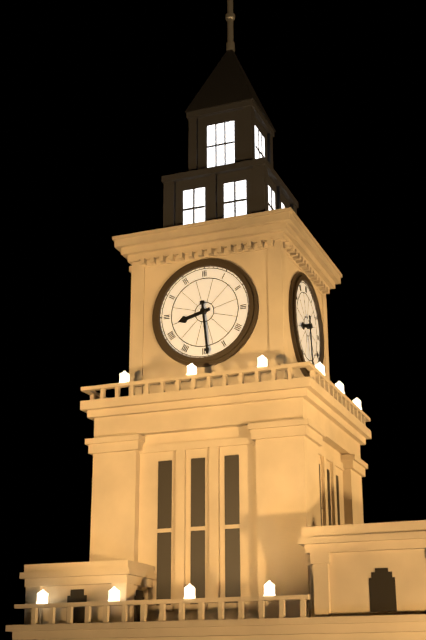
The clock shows 8.29
